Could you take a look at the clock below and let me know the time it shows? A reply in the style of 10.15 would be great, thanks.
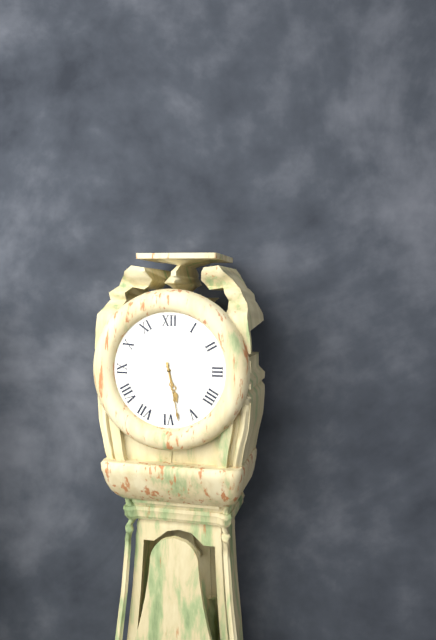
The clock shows 5.28
